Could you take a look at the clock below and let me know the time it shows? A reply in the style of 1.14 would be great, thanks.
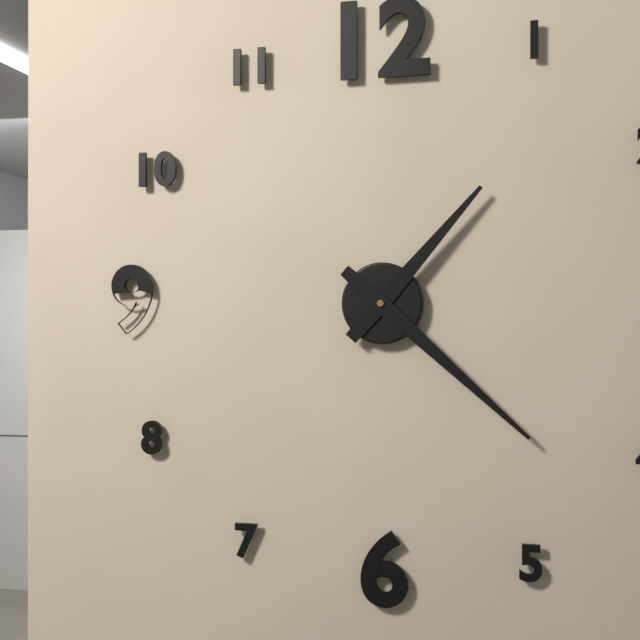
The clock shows 1.22
